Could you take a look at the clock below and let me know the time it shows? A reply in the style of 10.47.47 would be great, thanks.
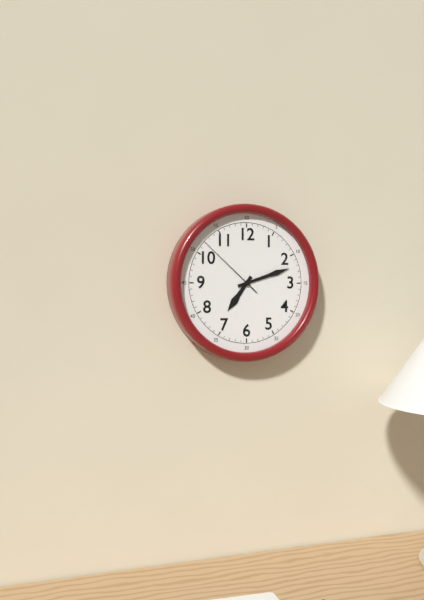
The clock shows 7.12.52
